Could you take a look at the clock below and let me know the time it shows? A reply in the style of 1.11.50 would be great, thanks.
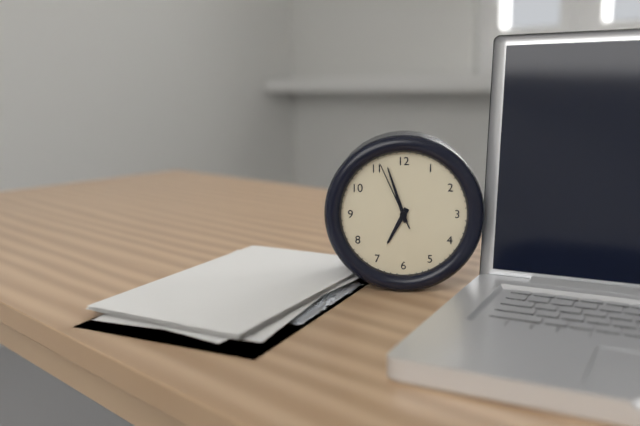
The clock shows 6.57.56
